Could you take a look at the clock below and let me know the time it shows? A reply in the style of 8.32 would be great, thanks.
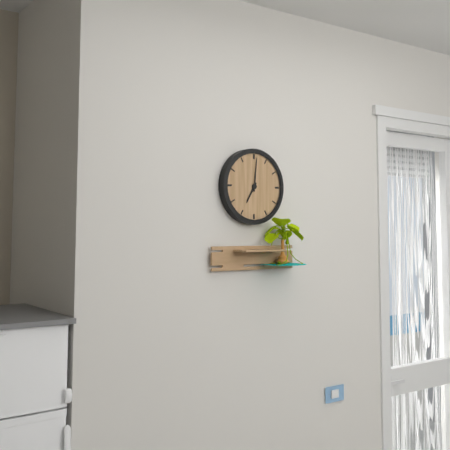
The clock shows 7.01
